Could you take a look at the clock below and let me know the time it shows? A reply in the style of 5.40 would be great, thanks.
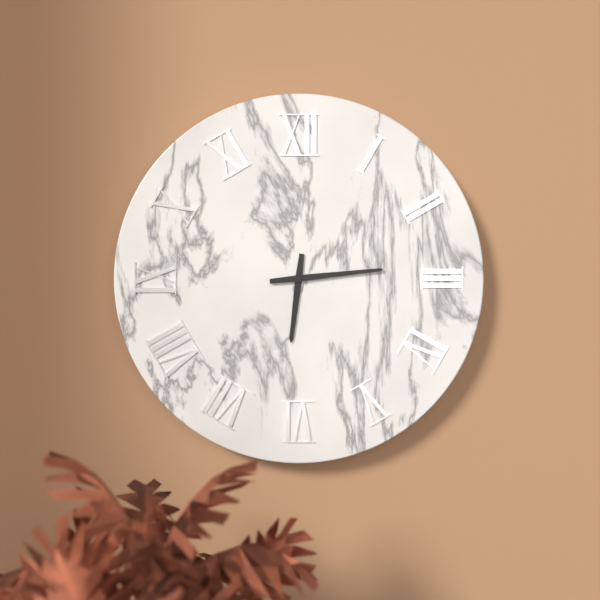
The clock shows 6.14
